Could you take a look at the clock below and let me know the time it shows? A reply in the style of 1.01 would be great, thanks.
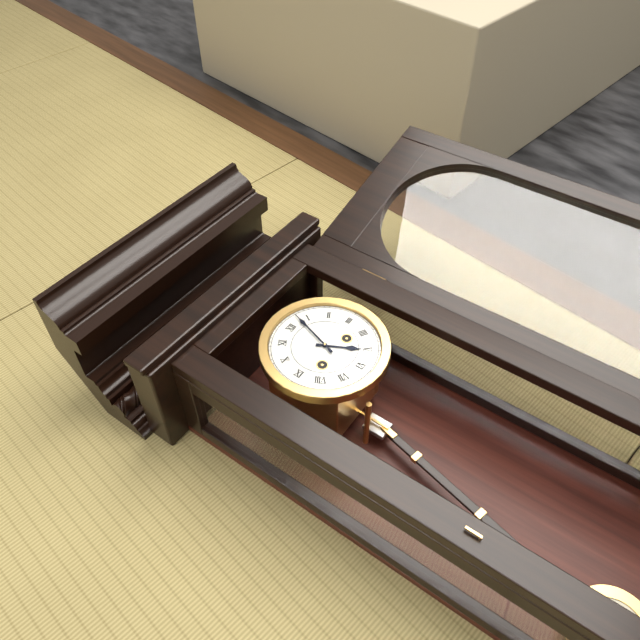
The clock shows 5.03
